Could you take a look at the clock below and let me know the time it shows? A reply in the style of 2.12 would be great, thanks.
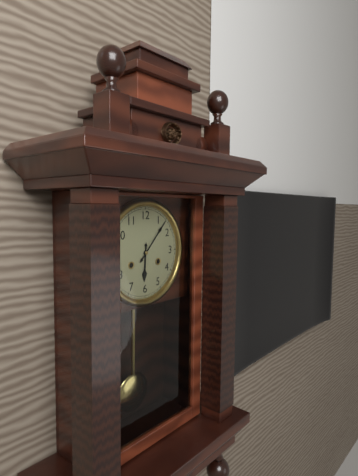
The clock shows 6.07
